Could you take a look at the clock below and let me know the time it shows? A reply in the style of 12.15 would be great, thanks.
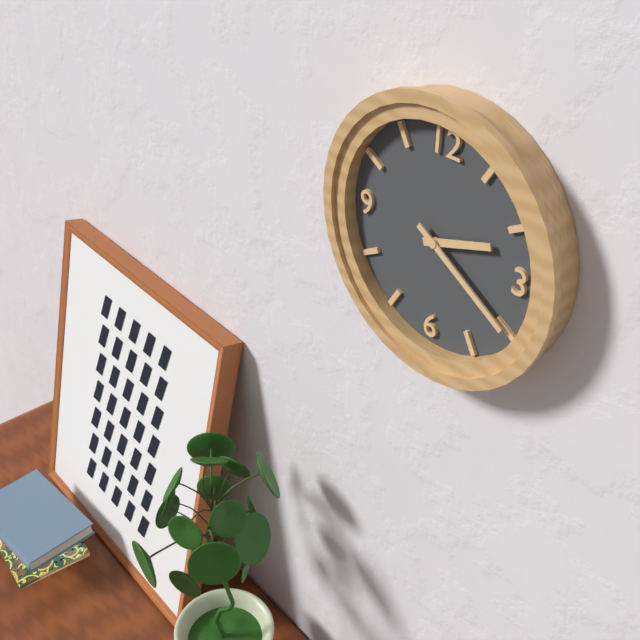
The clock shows 2.20
